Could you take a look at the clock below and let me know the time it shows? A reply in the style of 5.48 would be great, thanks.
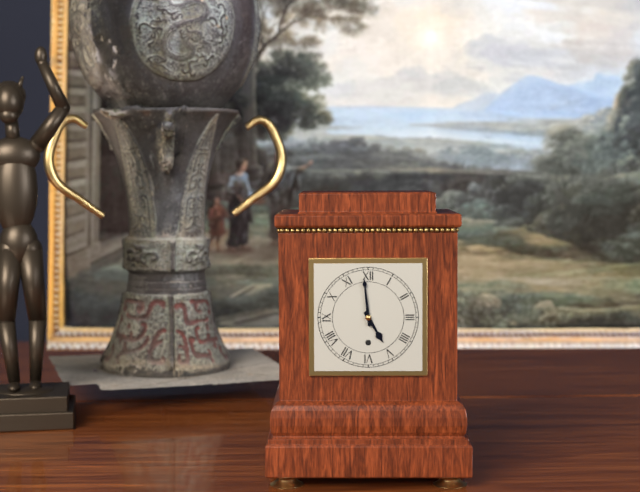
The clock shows 4.59
